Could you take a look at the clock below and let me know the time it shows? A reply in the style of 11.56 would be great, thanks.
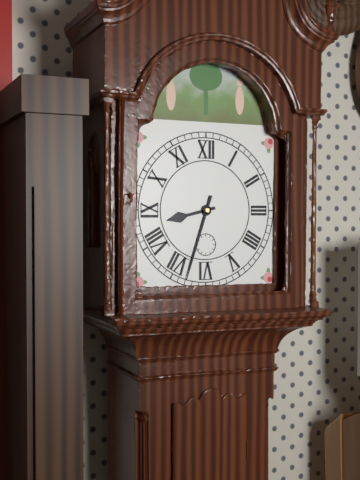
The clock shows 8.33
